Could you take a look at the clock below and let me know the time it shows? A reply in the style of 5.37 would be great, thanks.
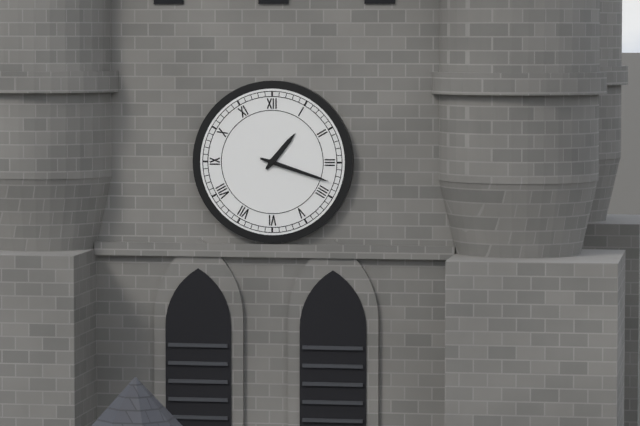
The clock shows 1.18
